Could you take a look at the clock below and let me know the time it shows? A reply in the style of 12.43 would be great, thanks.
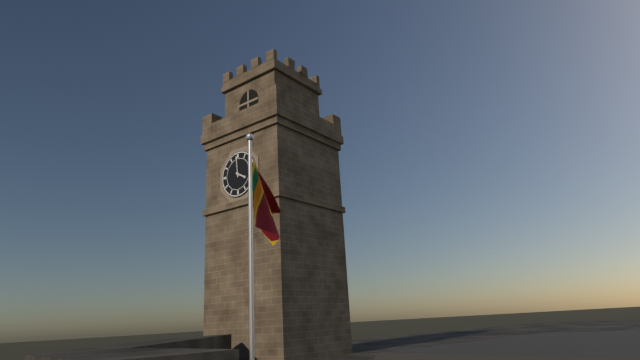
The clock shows 3.59
